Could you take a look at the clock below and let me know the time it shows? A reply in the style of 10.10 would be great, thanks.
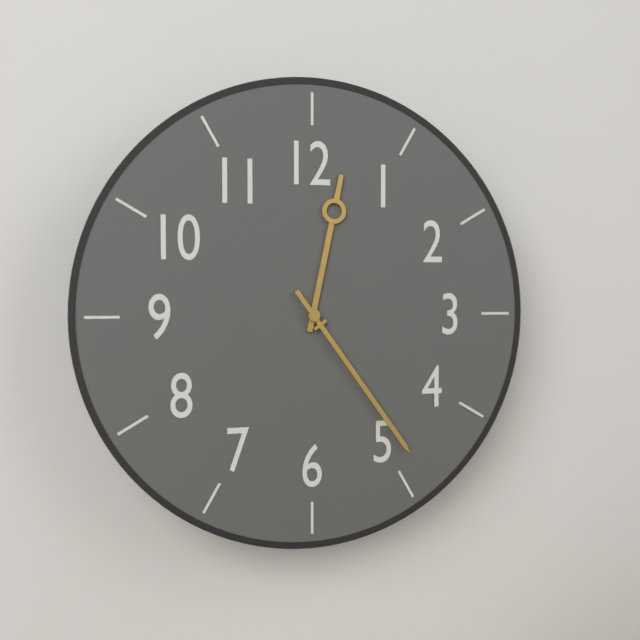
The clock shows 12.24
